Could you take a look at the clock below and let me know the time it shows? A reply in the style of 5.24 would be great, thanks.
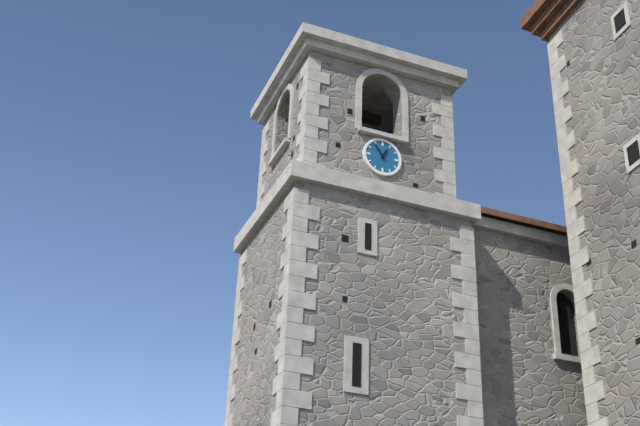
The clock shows 12.54
